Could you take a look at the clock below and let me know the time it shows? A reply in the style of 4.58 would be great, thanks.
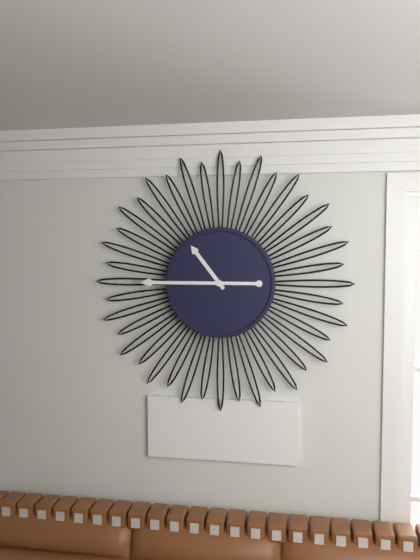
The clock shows 10.45
